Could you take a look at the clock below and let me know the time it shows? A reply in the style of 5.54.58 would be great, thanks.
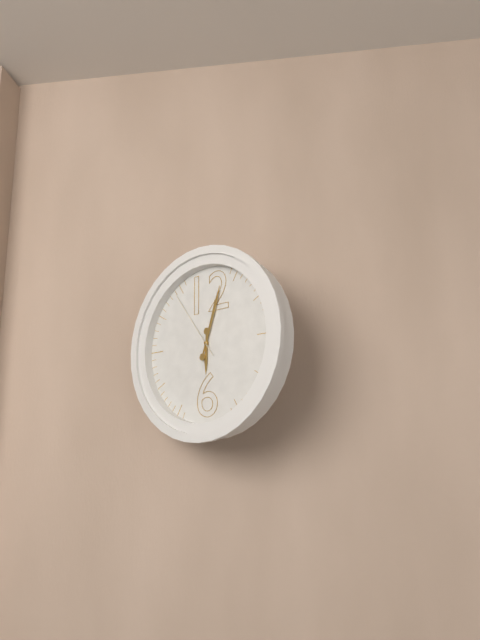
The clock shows 6.03.54
